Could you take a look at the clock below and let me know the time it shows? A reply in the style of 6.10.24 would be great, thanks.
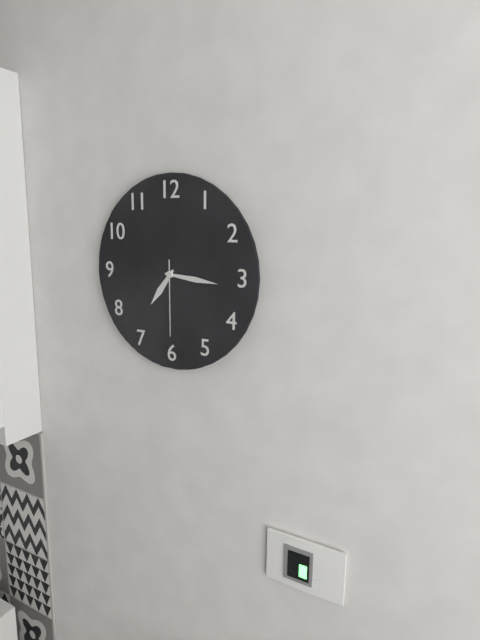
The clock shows 7.16.30
